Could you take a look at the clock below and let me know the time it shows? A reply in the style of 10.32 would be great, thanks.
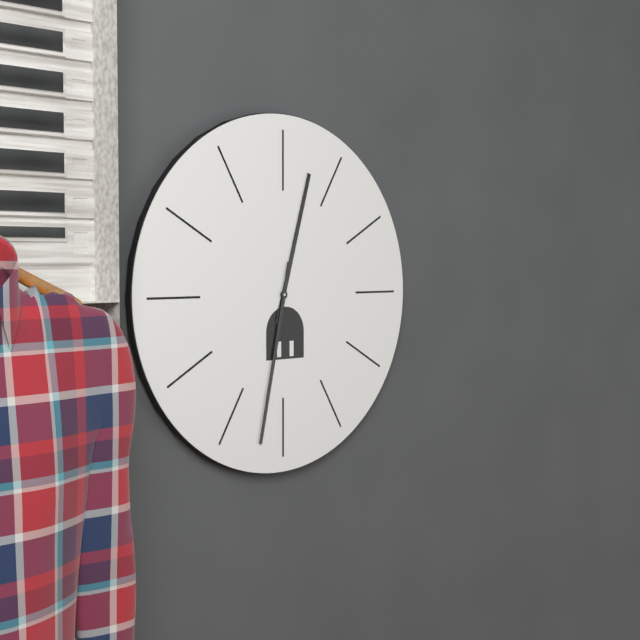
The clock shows 12.32
